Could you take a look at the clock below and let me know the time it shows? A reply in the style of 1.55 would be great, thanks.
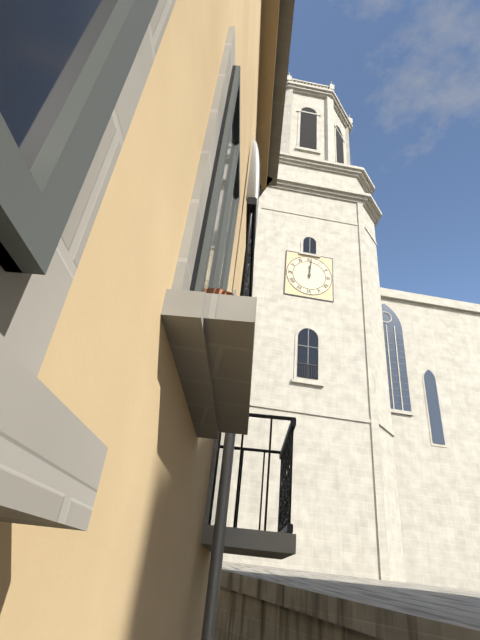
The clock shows 12.01
